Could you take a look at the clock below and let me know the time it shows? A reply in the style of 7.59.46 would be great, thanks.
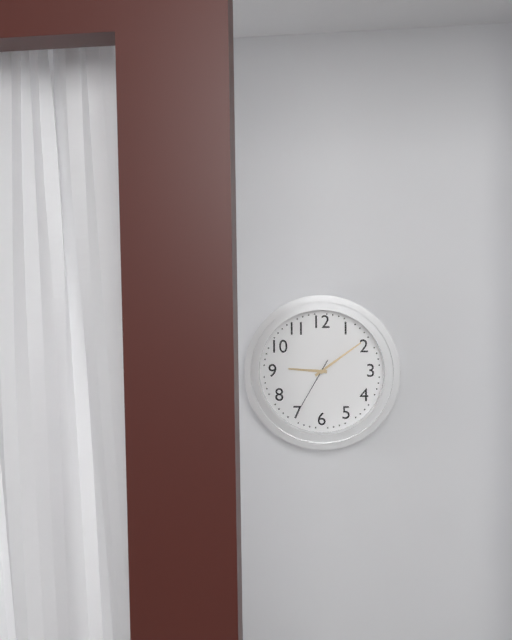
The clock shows 9.09.35
